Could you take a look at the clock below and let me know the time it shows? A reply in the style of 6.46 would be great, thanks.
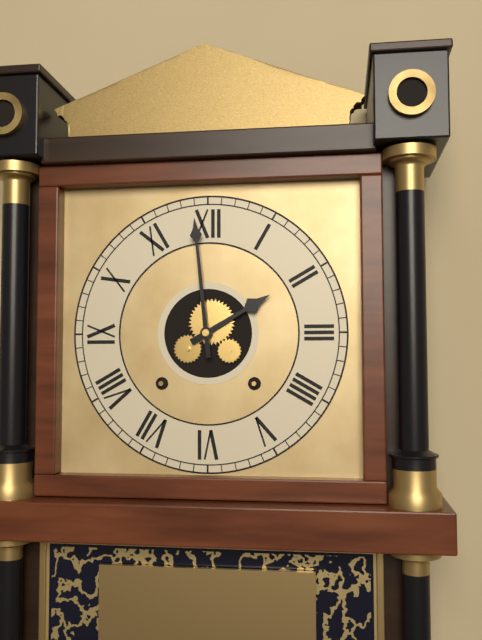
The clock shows 1.59
